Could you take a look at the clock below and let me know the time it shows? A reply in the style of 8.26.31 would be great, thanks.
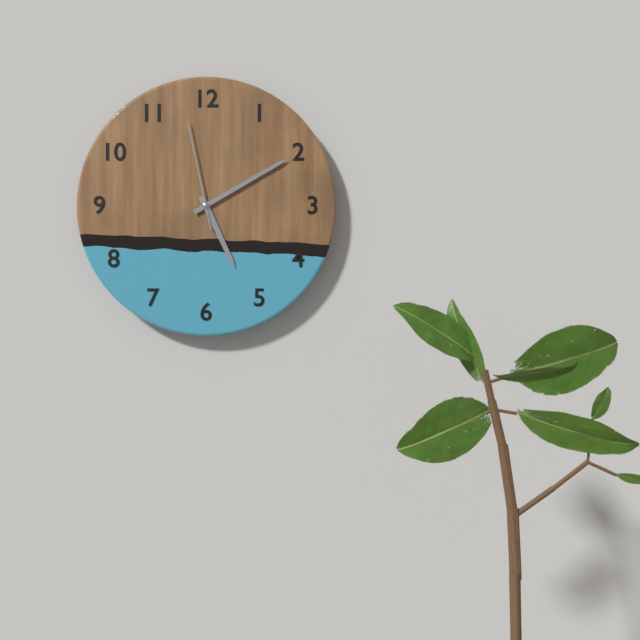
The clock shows 5.10.58
